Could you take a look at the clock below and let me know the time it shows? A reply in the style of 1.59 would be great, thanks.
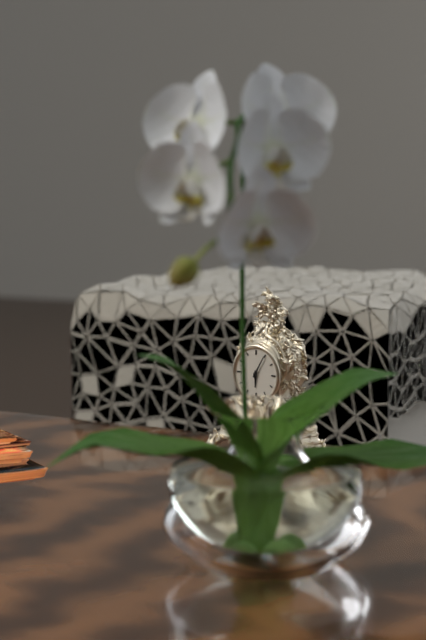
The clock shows 6.05
